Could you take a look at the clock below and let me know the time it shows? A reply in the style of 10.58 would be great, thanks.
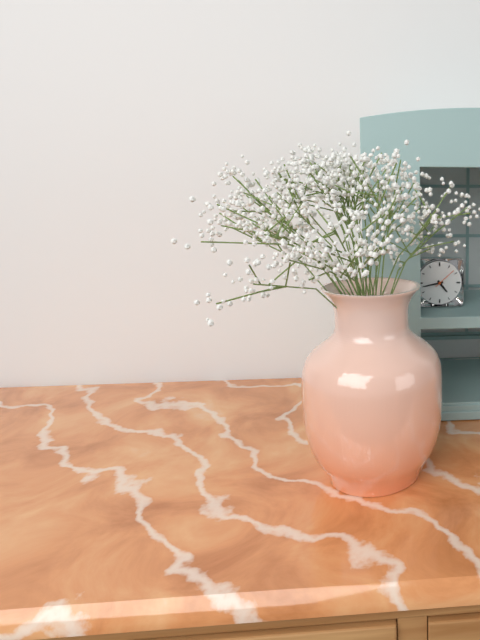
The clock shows 4.43
